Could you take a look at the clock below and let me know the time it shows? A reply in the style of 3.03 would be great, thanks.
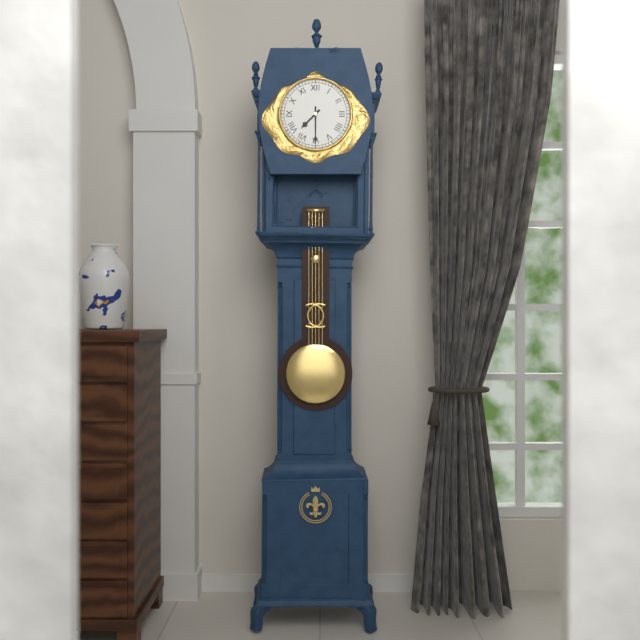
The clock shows 7.30
